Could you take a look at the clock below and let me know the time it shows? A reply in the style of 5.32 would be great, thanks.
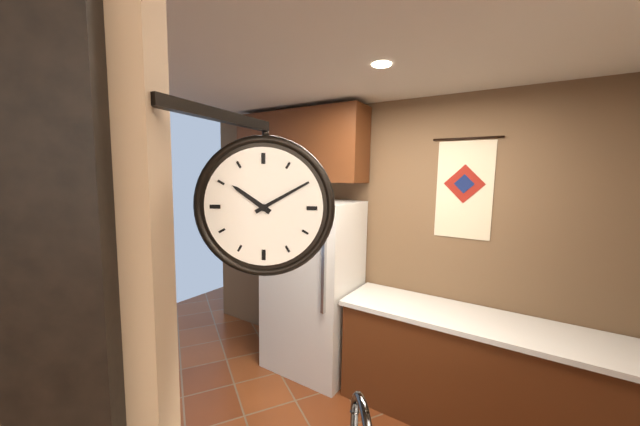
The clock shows 10.10
